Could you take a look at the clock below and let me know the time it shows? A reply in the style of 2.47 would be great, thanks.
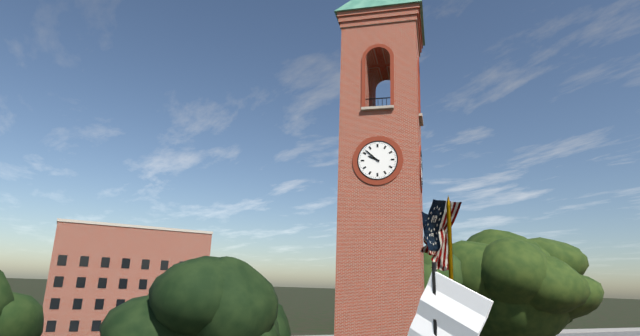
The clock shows 9.52
